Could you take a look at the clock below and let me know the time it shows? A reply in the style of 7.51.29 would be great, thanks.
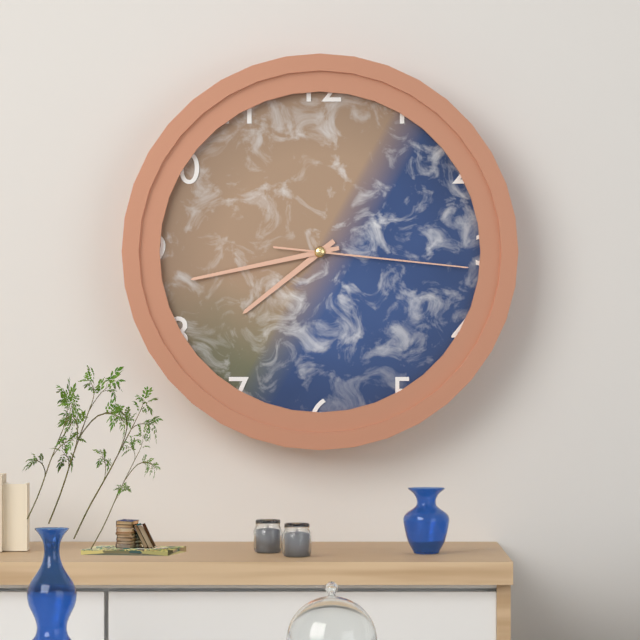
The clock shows 7.43.16
